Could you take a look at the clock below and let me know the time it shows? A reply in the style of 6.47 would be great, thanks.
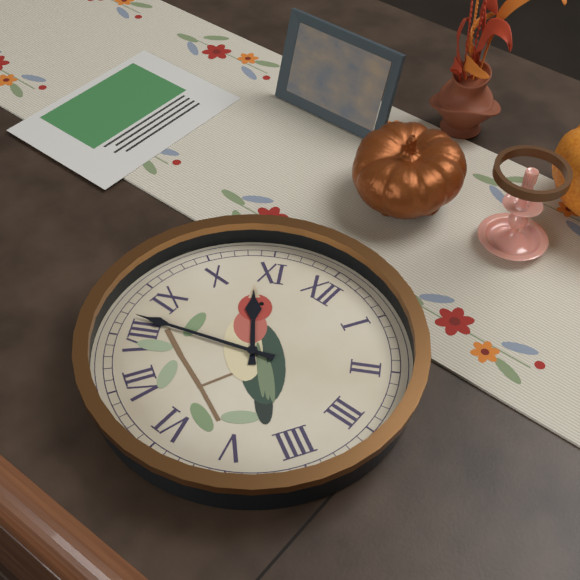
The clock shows 10.42
